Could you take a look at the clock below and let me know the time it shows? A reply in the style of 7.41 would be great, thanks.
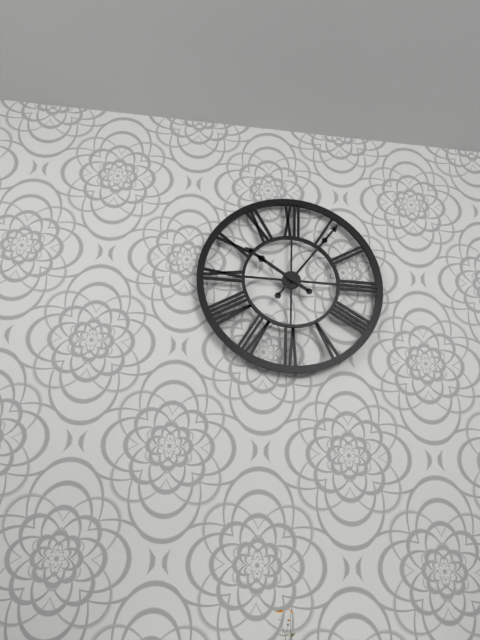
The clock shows 10.06
